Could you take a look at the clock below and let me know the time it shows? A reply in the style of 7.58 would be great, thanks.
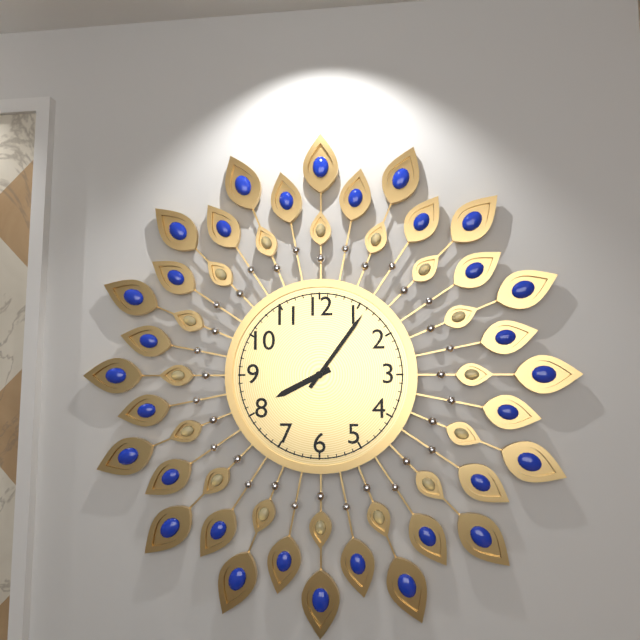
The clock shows 8.06
